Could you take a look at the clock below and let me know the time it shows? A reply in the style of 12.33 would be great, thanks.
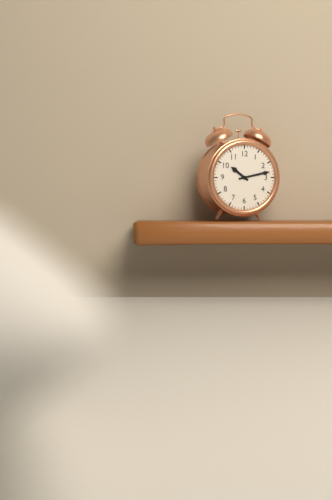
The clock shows 10.13
